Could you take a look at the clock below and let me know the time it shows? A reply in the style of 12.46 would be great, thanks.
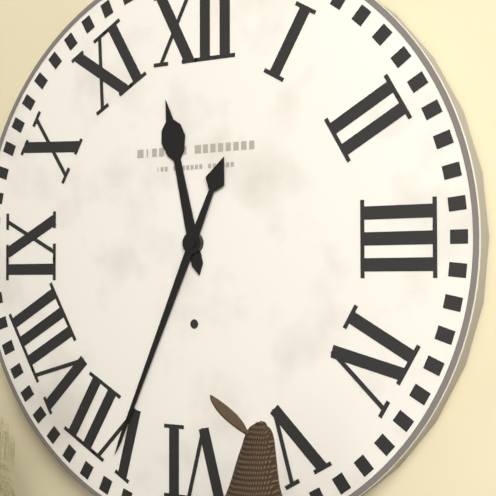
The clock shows 11.34
